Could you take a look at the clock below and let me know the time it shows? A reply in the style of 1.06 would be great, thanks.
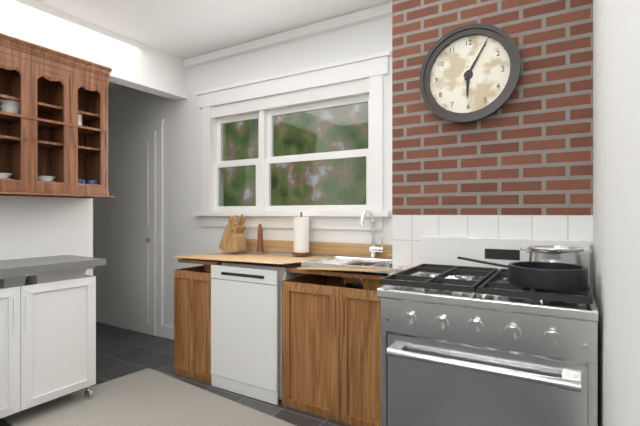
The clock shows 6.05
